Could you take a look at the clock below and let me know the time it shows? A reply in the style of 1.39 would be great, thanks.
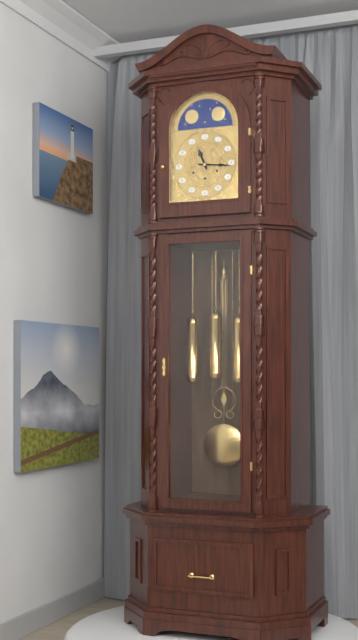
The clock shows 11.16
